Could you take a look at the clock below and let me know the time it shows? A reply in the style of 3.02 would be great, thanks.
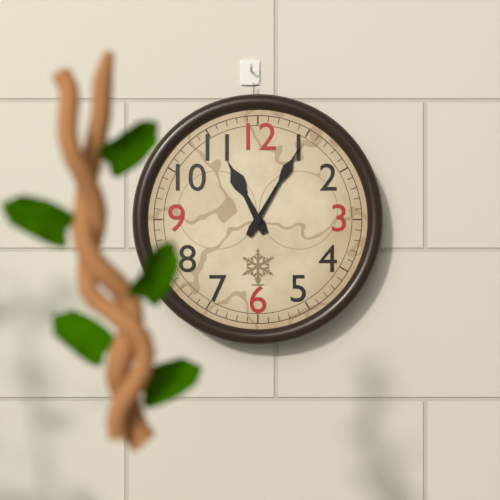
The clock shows 11.05
